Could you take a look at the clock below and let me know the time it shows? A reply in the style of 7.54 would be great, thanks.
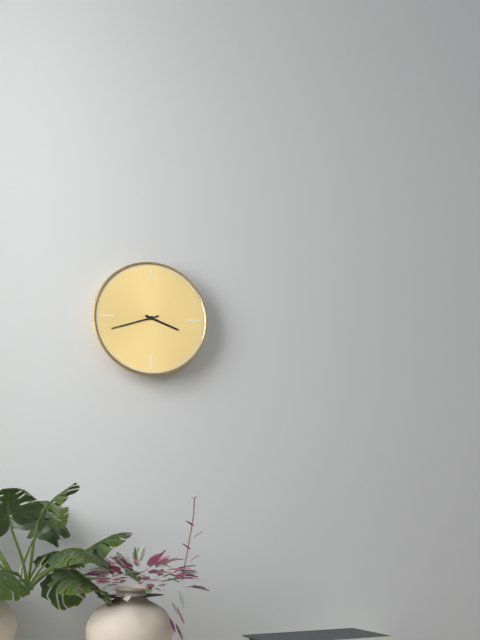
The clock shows 3.42
